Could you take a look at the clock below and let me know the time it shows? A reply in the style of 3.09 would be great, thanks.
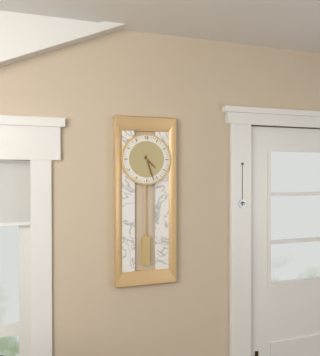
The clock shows 4.27
